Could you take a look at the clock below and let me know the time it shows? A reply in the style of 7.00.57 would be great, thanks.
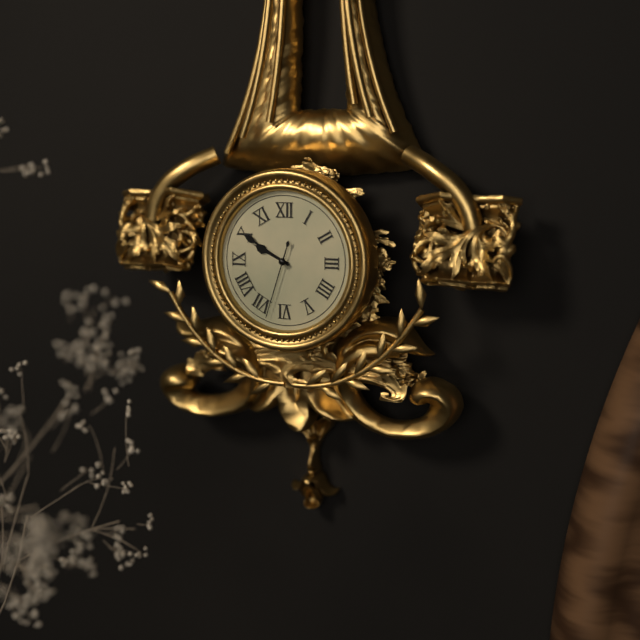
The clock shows 9.50.33
